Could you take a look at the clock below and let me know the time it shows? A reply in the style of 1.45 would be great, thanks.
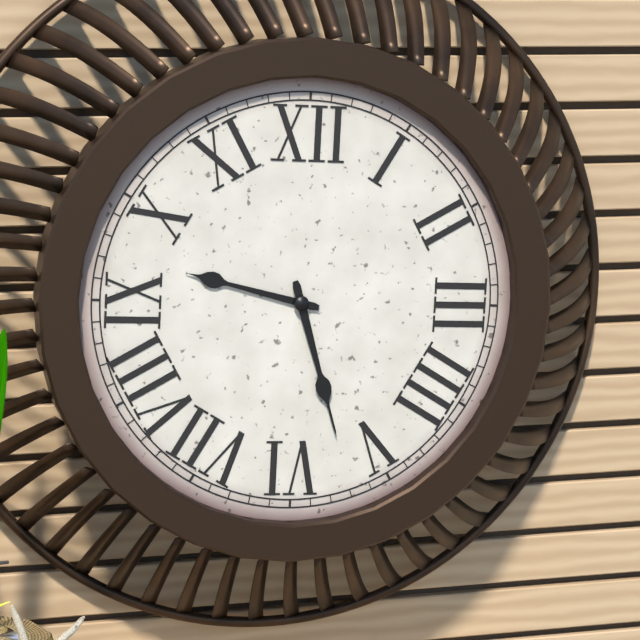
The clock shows 9.27
